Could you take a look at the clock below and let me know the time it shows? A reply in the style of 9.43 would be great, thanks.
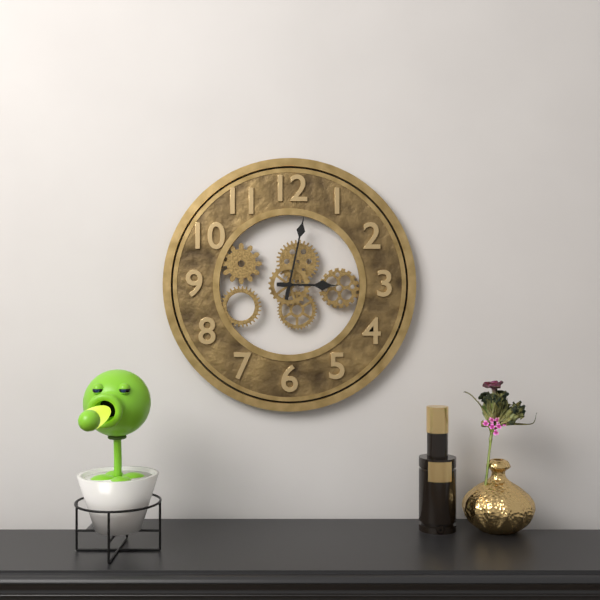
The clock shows 3.02
